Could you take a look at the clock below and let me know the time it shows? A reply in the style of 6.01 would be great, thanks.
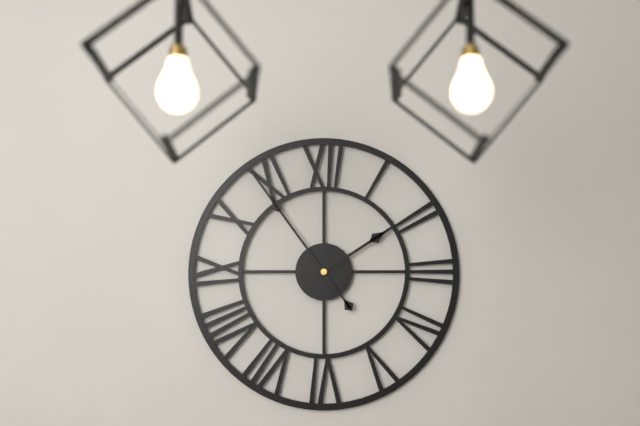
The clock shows 1.54
